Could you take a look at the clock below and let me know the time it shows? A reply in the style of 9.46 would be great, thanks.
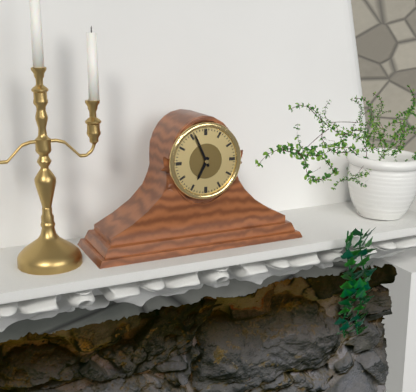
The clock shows 6.56
